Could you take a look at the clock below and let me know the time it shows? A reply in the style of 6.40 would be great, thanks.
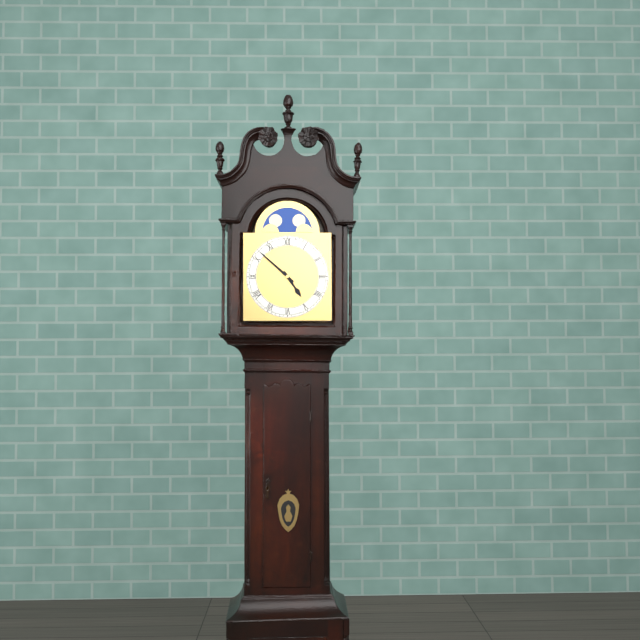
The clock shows 4.52
